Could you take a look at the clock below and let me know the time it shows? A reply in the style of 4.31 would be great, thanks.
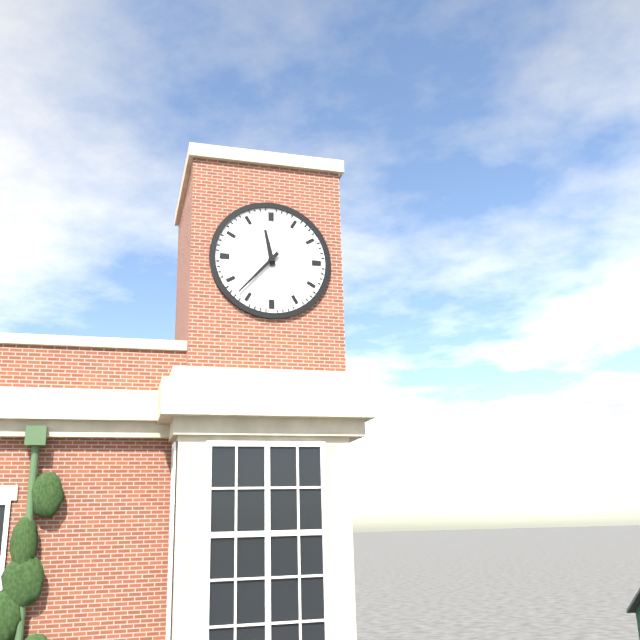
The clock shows 11.37
